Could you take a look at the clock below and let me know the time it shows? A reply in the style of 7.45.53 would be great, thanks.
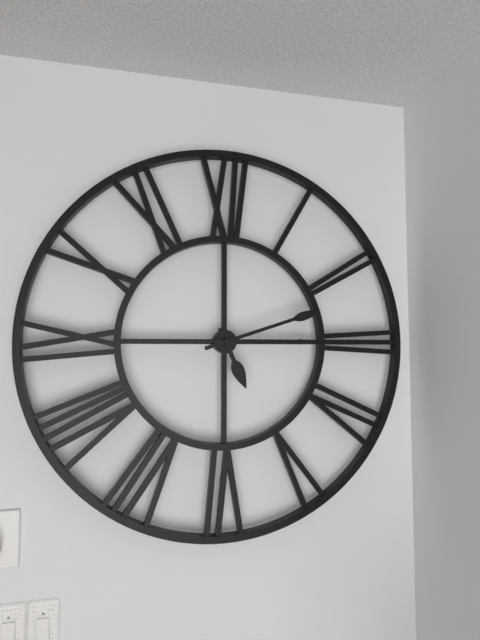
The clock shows 5.12.15
